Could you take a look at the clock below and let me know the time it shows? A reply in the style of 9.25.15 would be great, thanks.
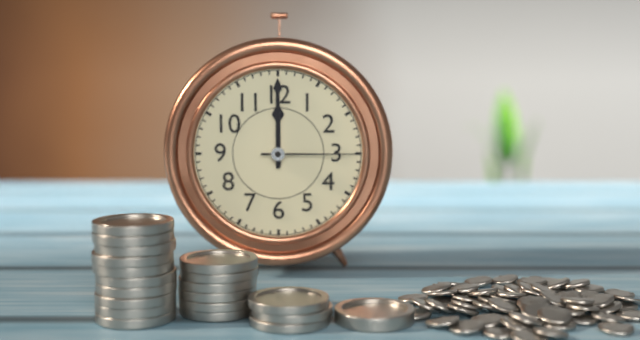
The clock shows 12.00.15
